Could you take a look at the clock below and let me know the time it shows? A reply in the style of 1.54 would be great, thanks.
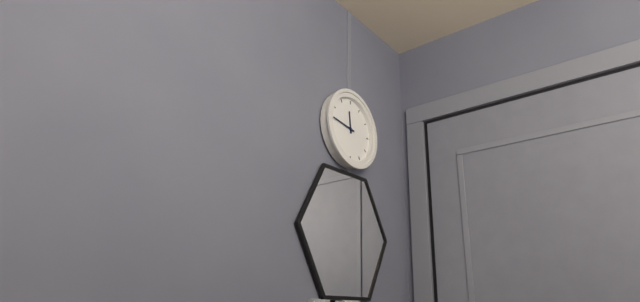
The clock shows 11.46
